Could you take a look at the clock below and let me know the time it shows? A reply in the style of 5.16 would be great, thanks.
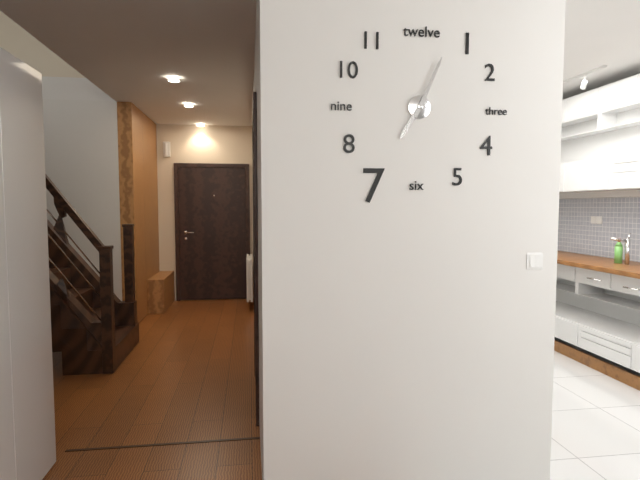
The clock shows 7.04
